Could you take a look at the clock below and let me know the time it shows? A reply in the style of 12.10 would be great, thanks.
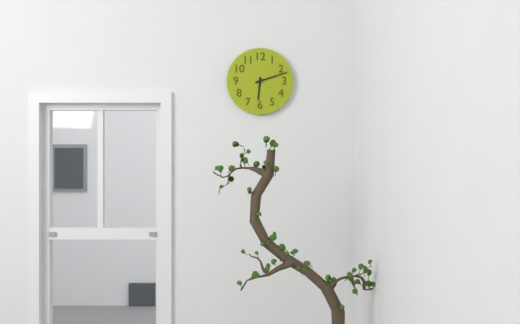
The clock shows 6.12
